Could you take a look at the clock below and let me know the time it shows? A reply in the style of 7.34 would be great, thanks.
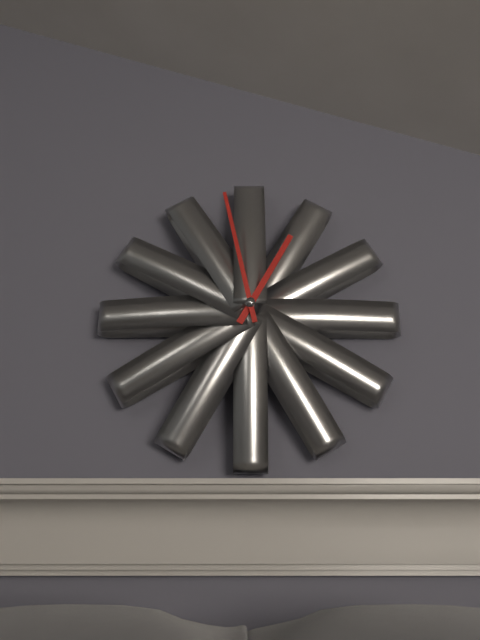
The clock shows 12.58
